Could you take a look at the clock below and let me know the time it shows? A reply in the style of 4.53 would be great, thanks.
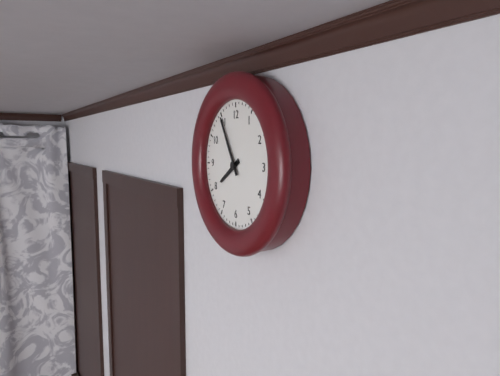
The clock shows 7.55
